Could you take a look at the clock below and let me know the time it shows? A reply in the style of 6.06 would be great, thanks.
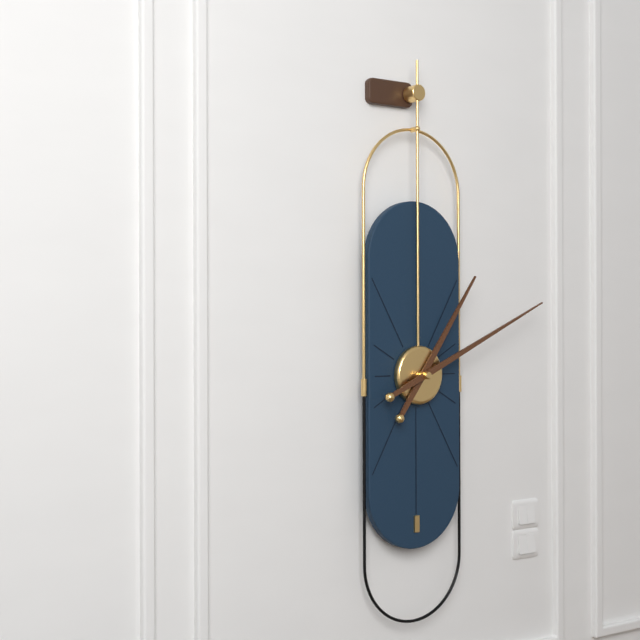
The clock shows 1.11
